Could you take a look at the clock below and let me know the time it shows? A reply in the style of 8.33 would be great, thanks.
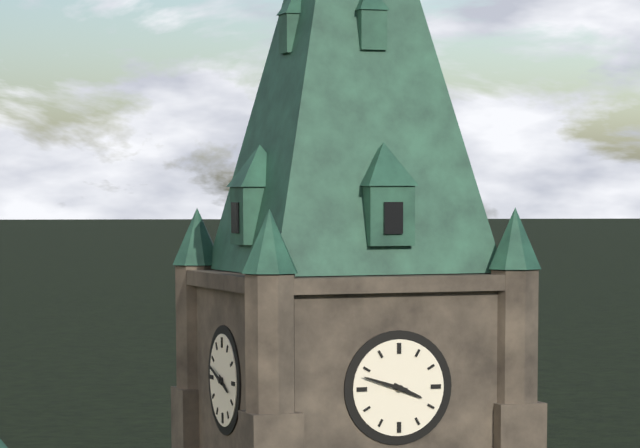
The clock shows 3.48
